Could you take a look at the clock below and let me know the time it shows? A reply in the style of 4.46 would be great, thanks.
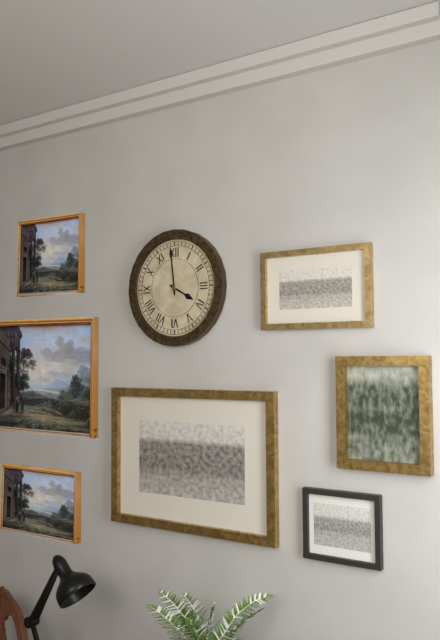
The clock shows 3.59
